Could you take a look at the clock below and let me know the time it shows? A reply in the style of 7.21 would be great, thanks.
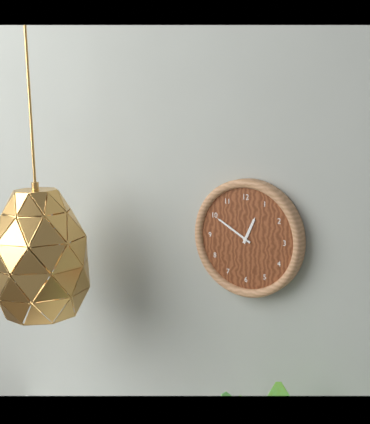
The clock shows 12.50
